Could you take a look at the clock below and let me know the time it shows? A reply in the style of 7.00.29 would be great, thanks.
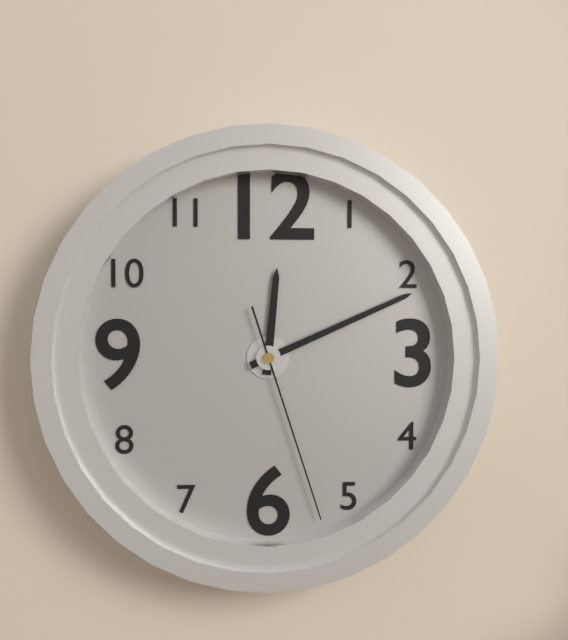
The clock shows 12.11.27
